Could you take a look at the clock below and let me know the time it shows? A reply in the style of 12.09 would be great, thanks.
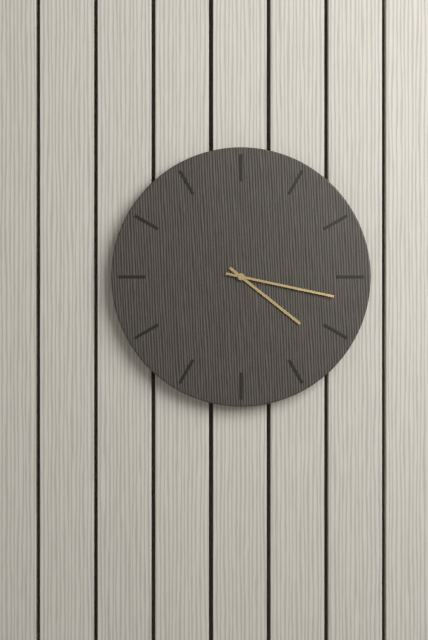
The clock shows 4.17
